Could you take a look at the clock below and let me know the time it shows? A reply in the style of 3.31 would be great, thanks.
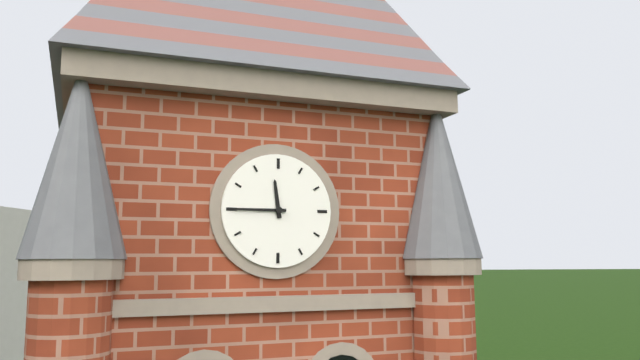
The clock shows 11.45
